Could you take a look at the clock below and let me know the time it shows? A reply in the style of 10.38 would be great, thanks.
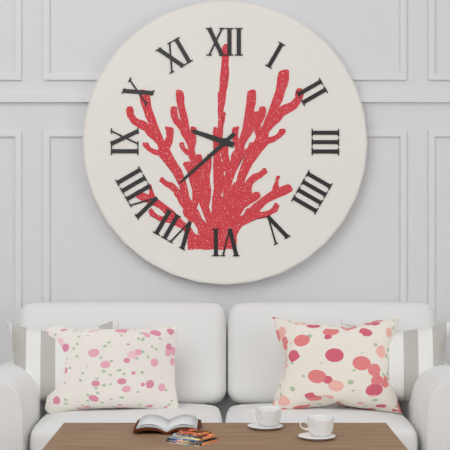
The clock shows 9.38
